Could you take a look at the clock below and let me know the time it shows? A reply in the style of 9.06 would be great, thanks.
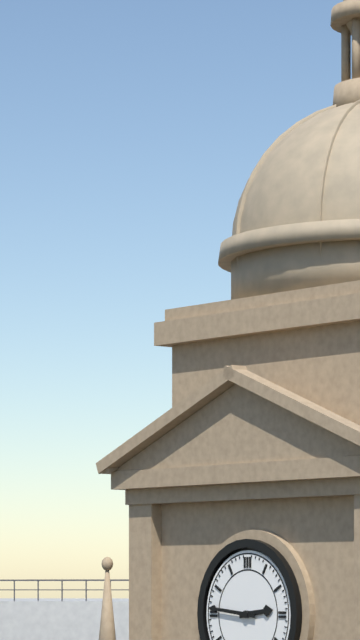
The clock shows 2.46
